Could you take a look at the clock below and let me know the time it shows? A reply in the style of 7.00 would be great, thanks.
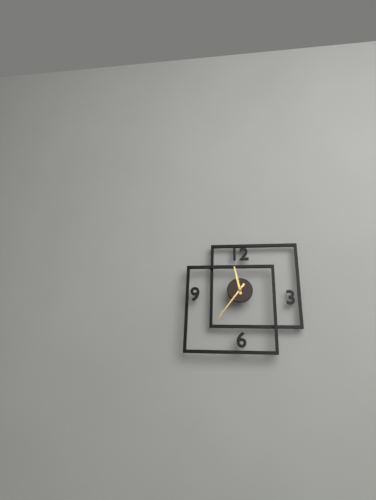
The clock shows 11.36
